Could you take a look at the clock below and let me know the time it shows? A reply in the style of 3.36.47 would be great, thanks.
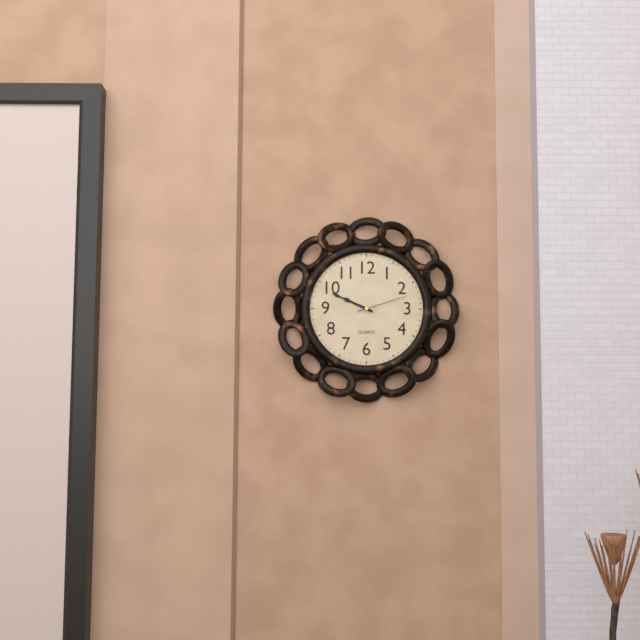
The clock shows 9.49.12
